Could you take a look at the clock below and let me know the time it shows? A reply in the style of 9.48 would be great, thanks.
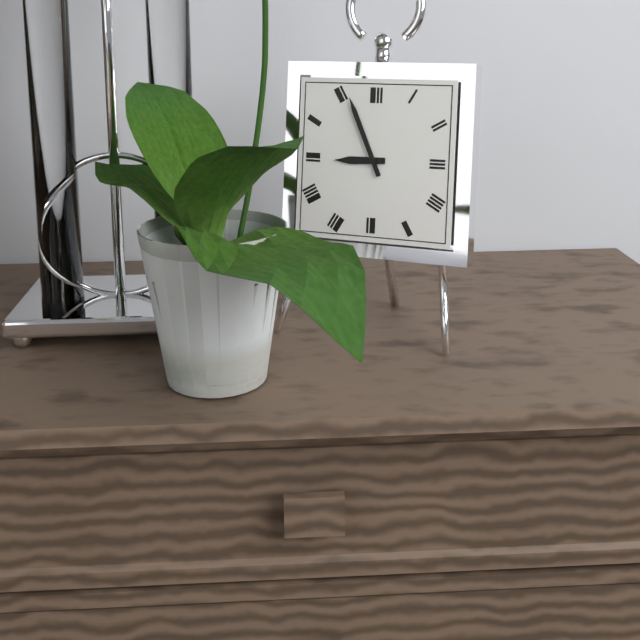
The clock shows 8.56
